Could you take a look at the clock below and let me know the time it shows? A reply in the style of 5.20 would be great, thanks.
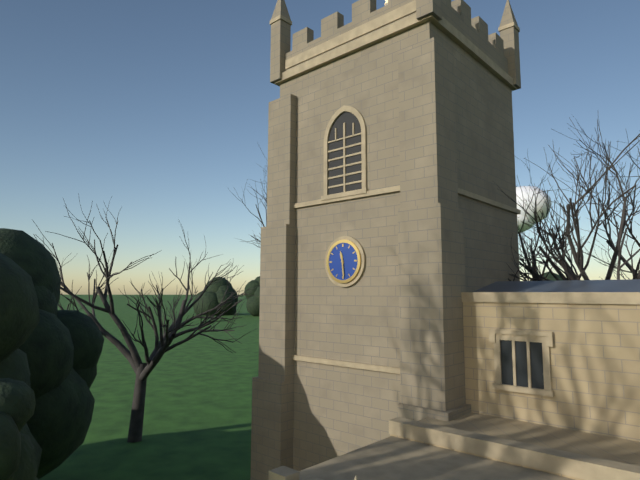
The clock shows 11.29
